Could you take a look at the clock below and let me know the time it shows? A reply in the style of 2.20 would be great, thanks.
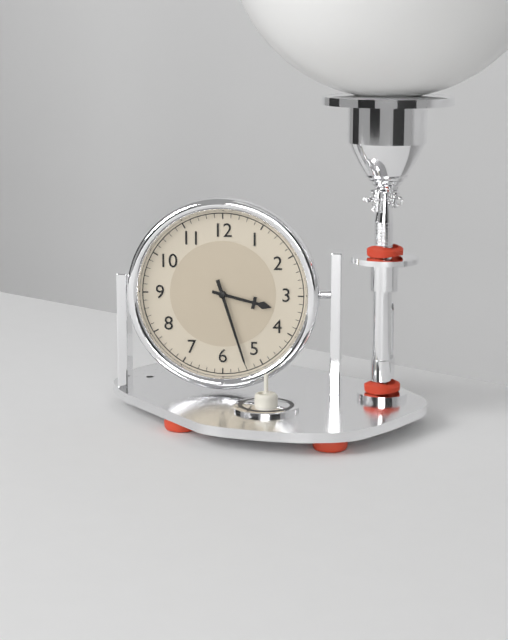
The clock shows 3.27
